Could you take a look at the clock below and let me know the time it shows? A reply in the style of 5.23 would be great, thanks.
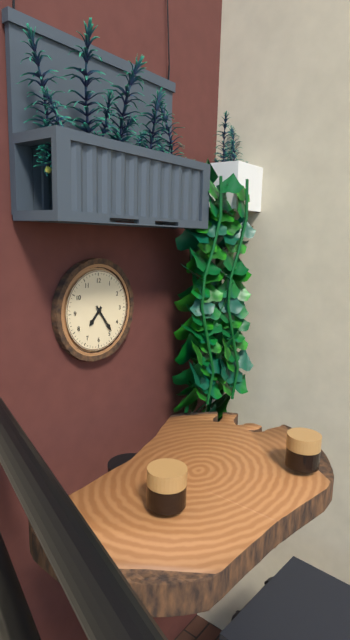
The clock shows 7.24
